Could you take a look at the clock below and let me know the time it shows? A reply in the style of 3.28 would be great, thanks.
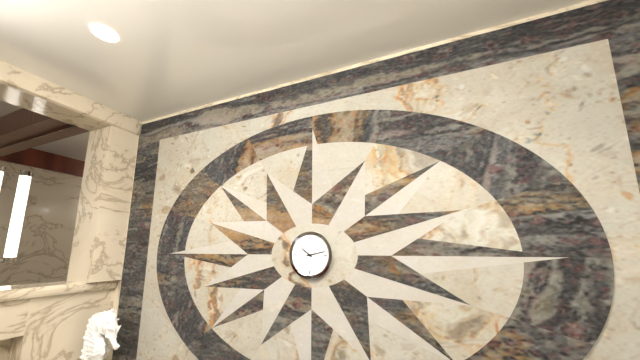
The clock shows 10.13
